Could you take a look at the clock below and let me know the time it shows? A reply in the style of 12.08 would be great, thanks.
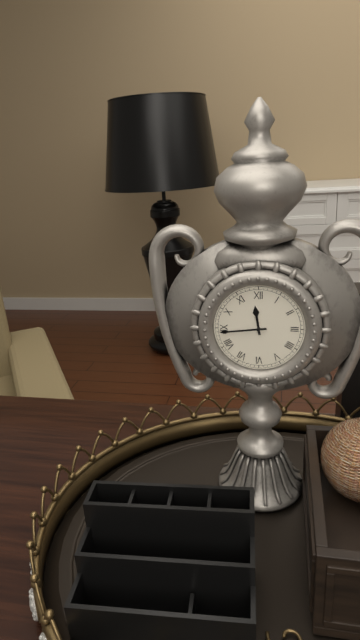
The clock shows 11.44
